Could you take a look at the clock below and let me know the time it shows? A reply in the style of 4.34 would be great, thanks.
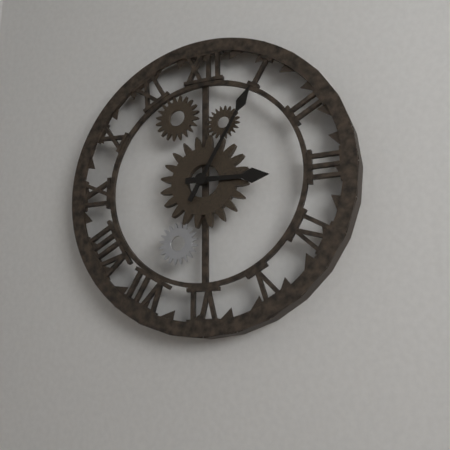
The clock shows 3.05
